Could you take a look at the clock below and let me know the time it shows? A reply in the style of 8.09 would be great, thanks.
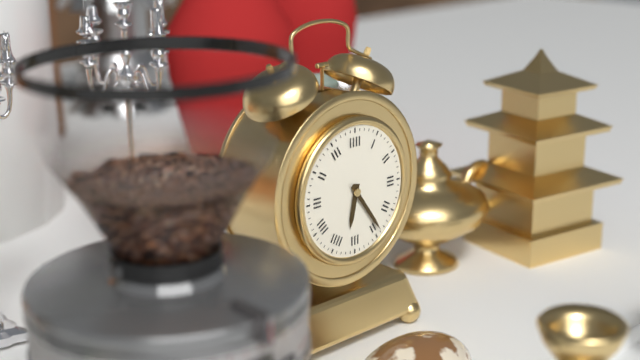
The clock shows 6.24
